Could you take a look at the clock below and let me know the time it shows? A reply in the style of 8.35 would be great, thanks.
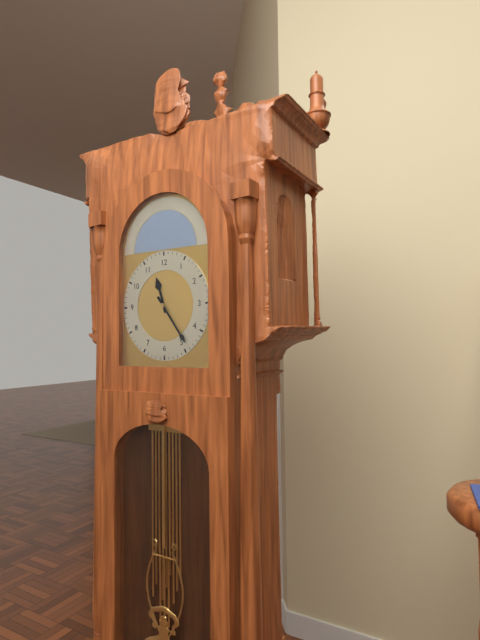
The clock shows 11.24
